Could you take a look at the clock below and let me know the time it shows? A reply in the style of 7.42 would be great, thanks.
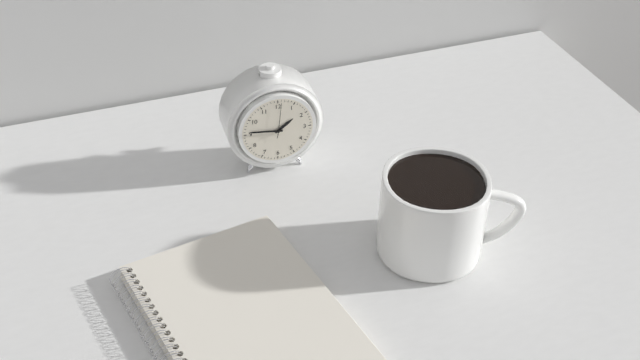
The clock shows 1.46
